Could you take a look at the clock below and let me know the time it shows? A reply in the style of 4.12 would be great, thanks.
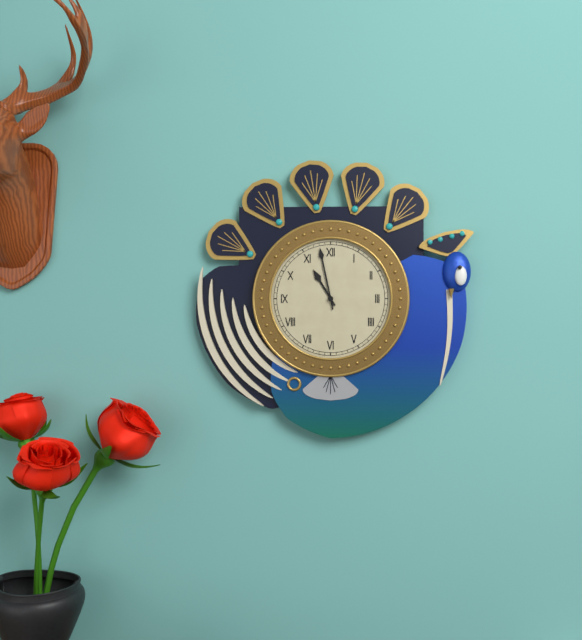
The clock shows 10.58
